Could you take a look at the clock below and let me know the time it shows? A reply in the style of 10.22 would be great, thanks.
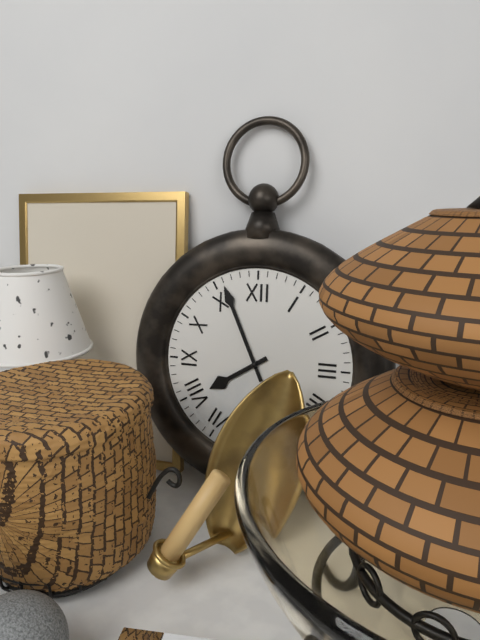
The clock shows 7.56
